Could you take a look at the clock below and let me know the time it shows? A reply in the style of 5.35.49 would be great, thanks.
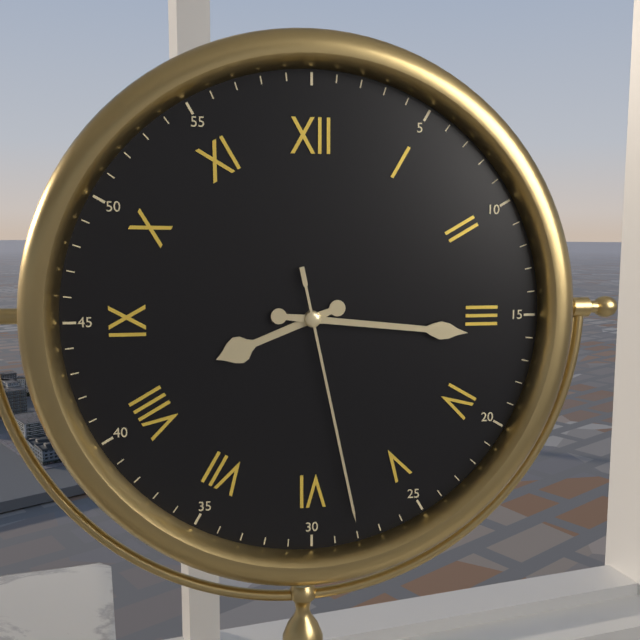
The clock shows 8.16.28
